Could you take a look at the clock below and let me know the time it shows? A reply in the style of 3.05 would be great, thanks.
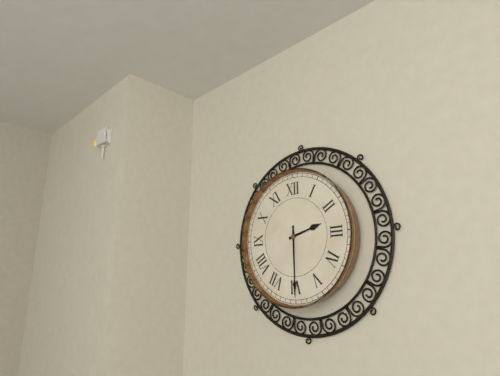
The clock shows 2.30
